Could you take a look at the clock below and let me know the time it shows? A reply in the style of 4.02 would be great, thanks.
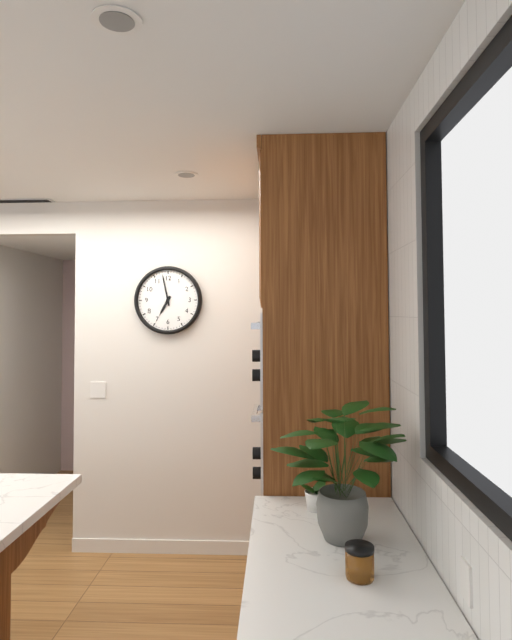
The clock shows 6.58
